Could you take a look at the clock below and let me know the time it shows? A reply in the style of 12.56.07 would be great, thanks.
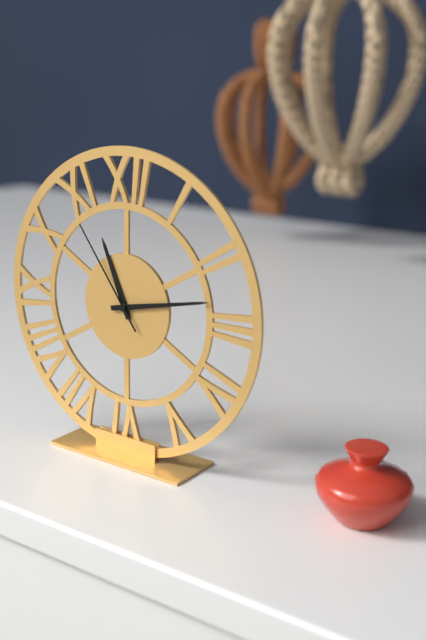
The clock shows 11.13.54
